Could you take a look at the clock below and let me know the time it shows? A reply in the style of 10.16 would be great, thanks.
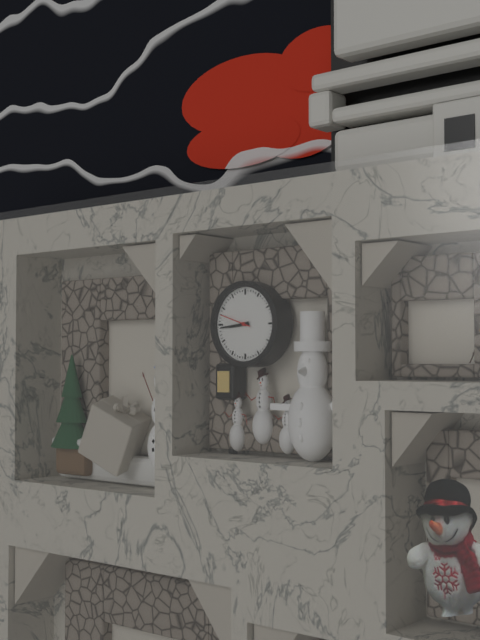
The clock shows 8.44
